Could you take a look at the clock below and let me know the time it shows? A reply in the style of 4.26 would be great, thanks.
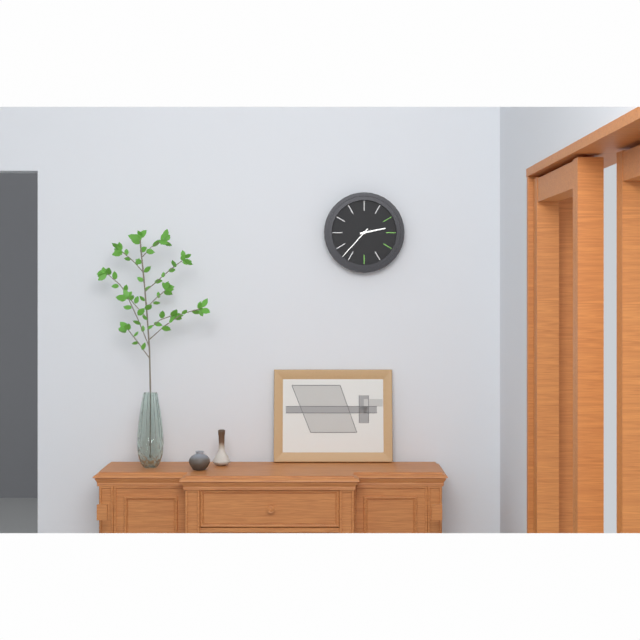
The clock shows 2.37
